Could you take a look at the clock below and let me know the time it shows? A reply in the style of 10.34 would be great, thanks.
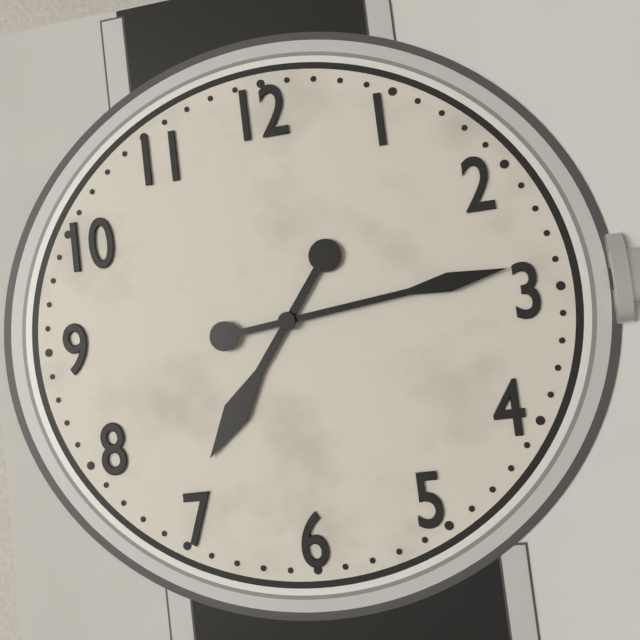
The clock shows 7.14
